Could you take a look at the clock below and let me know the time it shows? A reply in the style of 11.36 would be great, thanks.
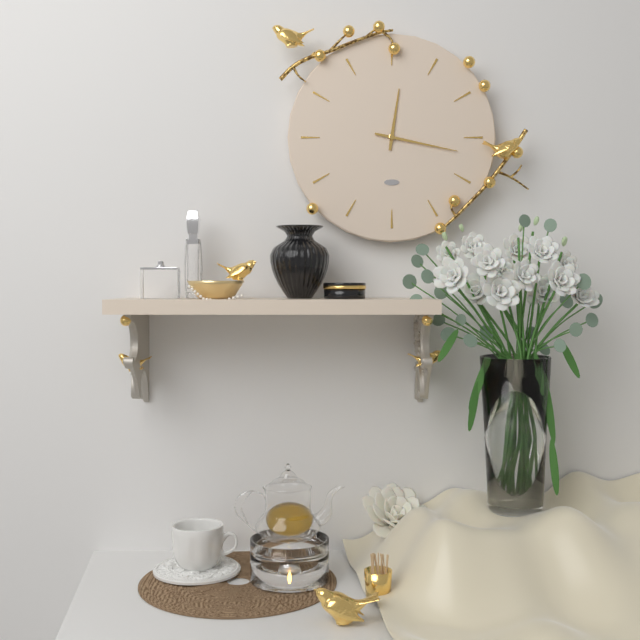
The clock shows 12.17
